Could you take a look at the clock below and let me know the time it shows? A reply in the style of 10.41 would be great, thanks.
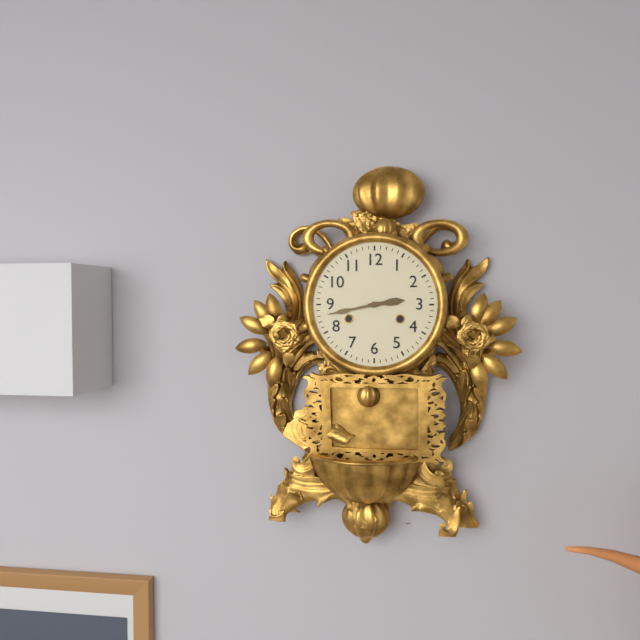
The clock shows 2.43
